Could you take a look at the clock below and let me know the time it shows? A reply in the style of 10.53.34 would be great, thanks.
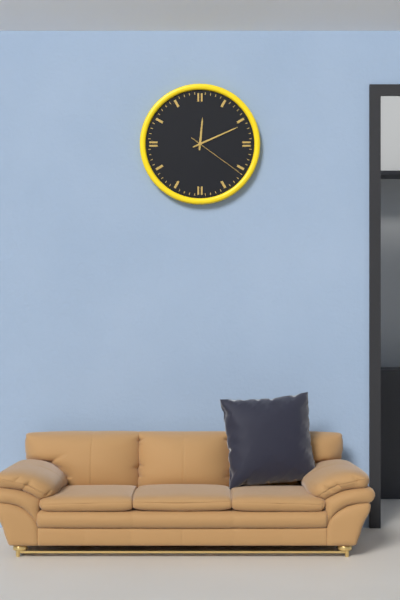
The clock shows 12.11.21
